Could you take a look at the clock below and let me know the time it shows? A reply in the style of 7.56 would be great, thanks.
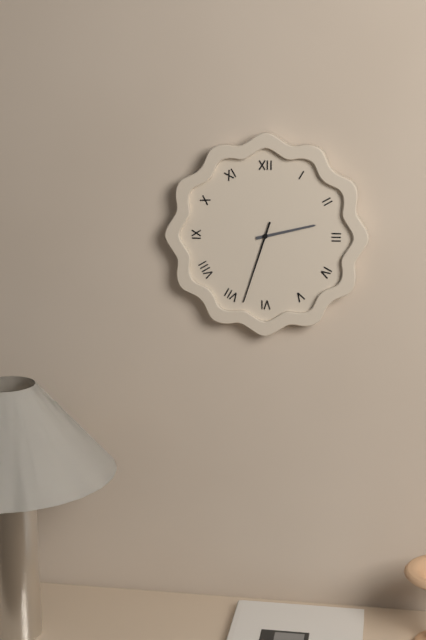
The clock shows 2.33
